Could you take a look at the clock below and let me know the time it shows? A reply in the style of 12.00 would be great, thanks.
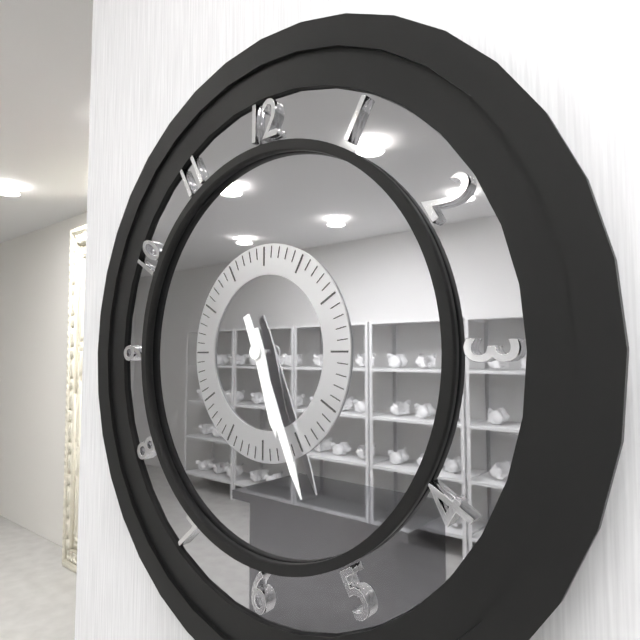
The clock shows 5.26
